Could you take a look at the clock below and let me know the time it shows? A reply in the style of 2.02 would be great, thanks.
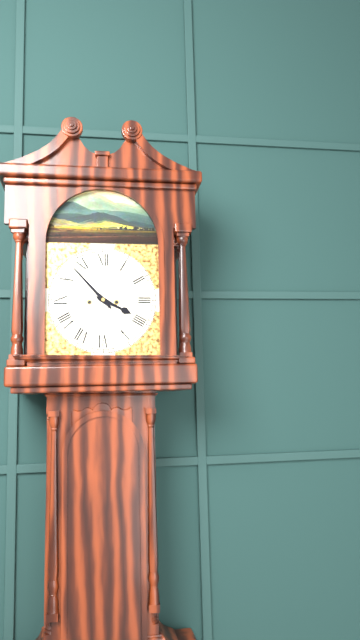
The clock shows 3.53
